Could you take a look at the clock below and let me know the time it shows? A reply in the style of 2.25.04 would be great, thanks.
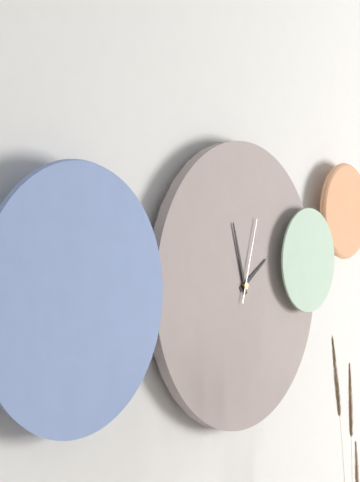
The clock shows 1.57.03
